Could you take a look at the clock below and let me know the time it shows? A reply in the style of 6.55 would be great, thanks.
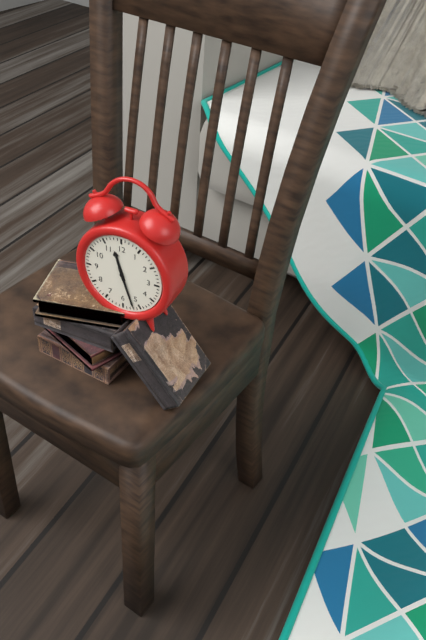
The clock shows 11.27
